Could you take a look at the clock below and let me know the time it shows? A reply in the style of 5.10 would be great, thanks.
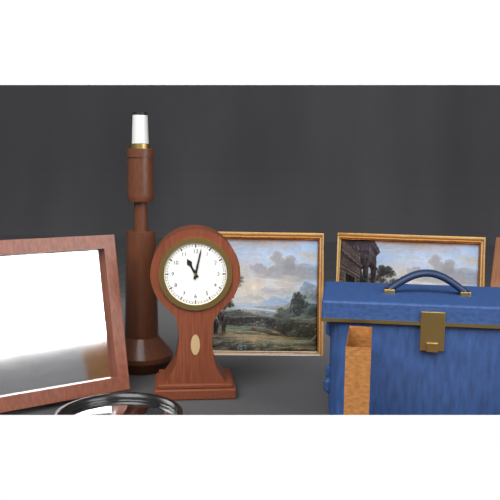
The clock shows 11.02
